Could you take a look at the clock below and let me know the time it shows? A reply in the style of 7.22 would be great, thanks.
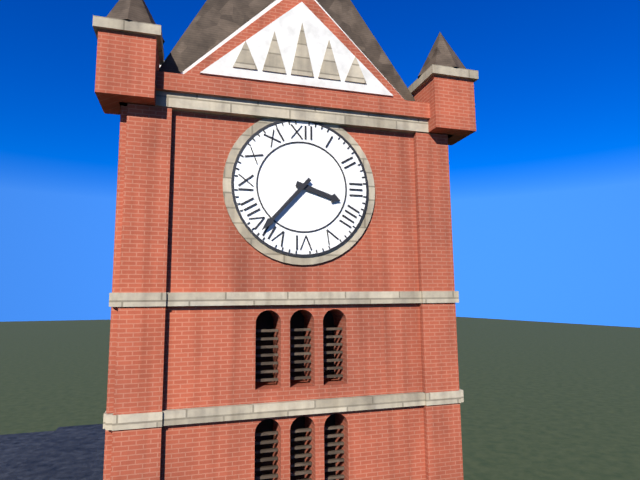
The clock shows 3.37
